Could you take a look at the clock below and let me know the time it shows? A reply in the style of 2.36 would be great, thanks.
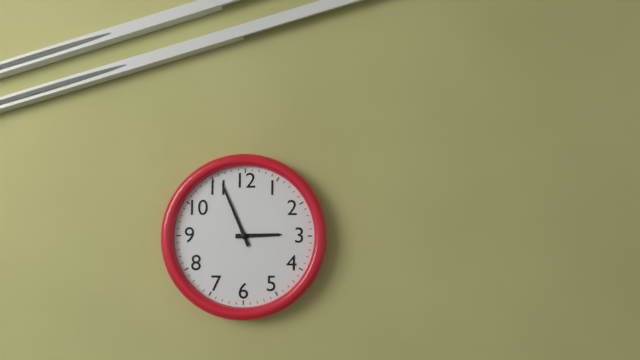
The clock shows 2.56
